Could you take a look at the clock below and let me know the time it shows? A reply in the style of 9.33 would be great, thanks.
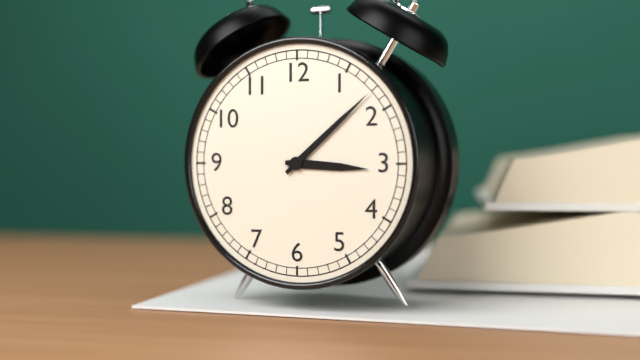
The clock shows 3.08
